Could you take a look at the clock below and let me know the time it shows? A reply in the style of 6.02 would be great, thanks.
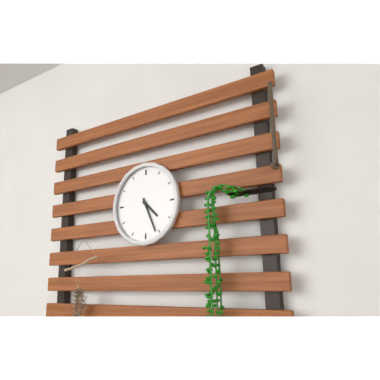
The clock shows 4.26
